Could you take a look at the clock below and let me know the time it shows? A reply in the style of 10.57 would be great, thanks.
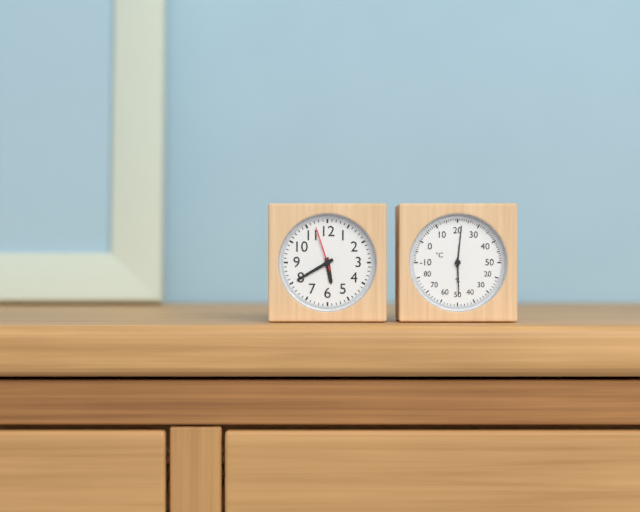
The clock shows 5.40
